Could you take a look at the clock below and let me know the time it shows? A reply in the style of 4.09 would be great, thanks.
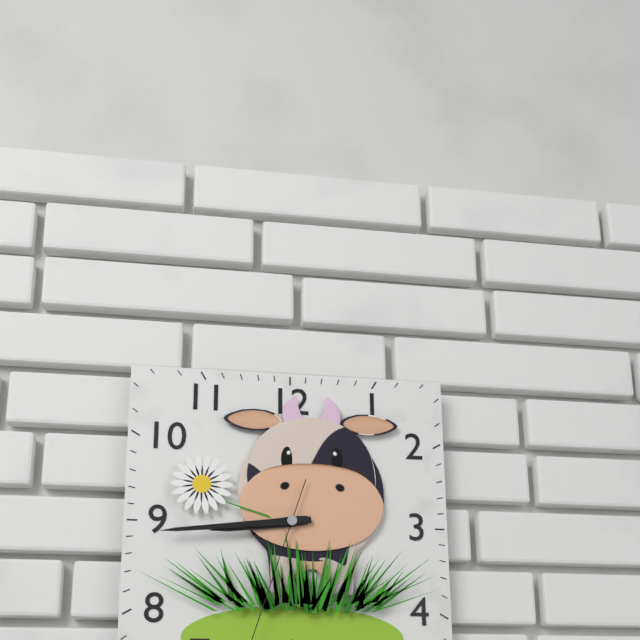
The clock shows 8.44
